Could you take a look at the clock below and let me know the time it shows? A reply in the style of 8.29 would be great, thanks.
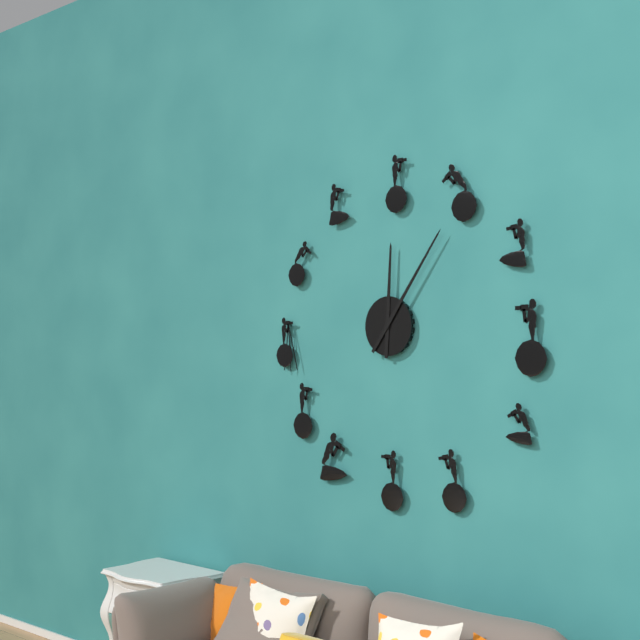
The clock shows 12.06
